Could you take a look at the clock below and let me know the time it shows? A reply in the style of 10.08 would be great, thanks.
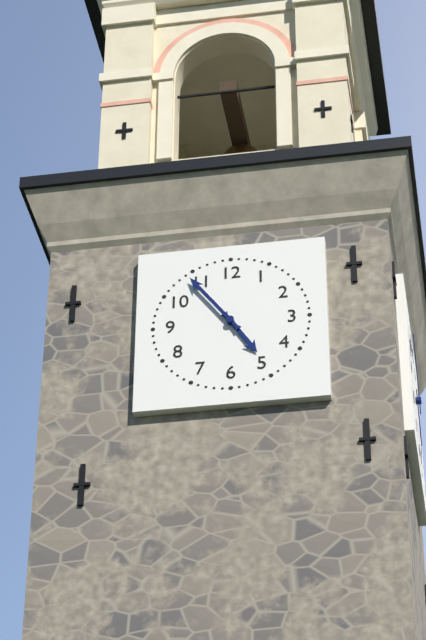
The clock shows 4.54
